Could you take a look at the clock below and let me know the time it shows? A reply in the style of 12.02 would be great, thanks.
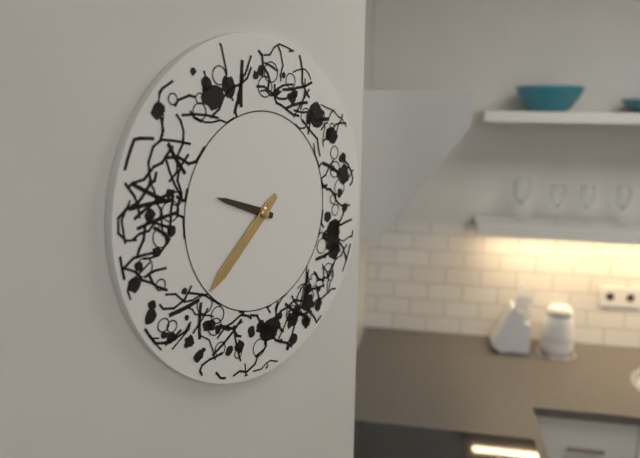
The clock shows 9.38
